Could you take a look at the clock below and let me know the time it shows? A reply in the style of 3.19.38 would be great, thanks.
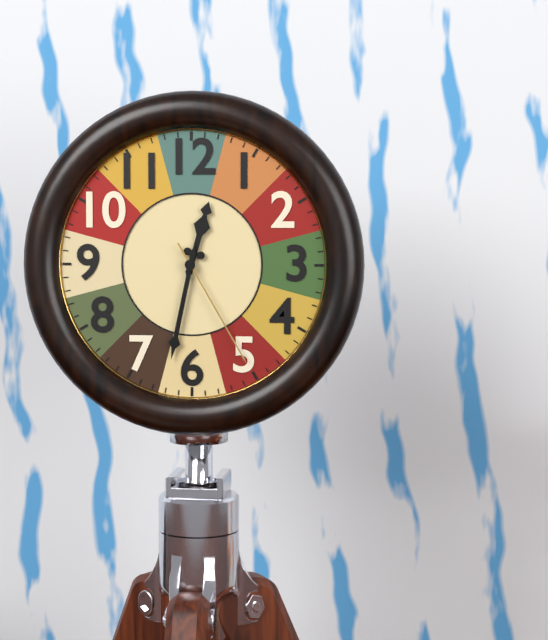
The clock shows 12.32.25
